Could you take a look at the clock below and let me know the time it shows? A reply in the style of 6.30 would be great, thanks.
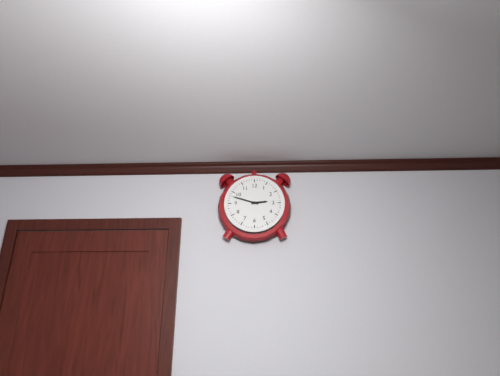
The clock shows 2.48
